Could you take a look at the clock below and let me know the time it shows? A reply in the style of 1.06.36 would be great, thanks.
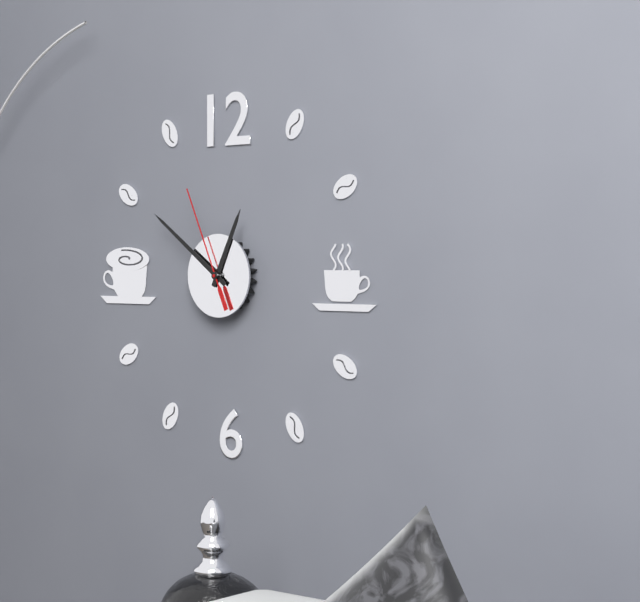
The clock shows 12.51.56
